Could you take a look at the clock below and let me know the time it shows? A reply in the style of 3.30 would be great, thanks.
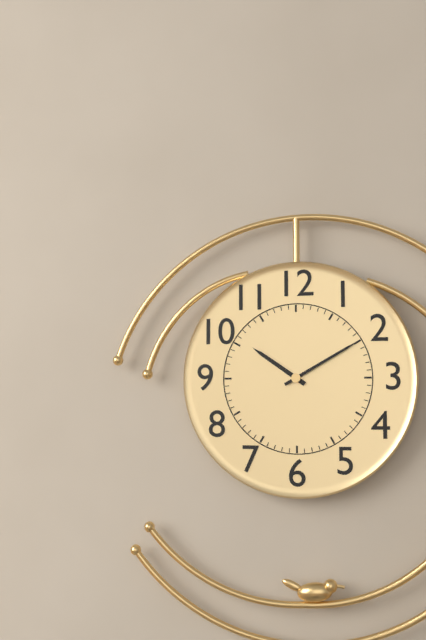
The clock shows 10.10
